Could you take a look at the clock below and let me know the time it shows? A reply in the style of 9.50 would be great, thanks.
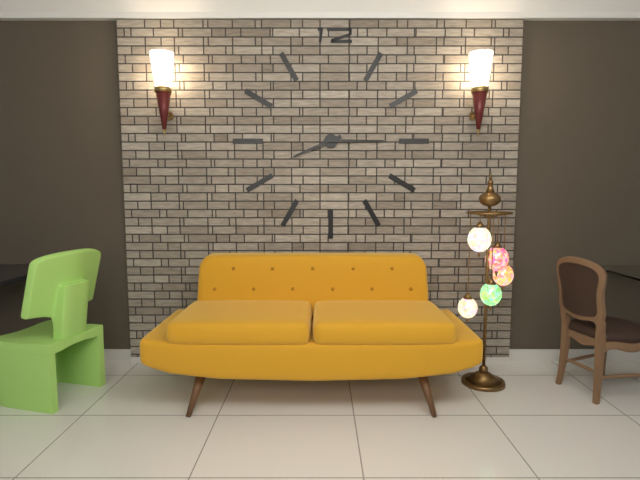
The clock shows 8.15
